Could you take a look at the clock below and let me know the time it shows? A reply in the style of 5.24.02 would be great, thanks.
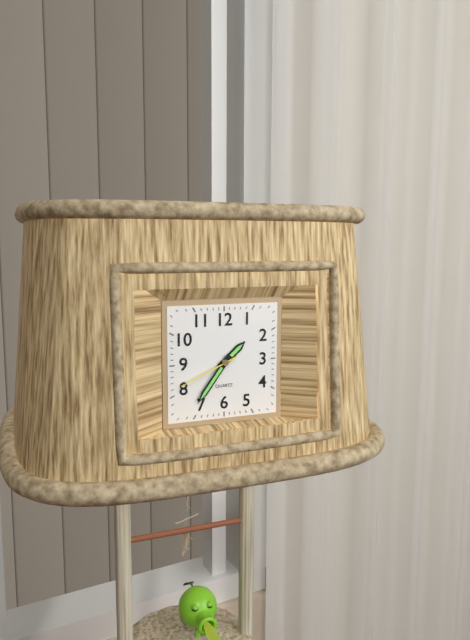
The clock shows 1.36.41
